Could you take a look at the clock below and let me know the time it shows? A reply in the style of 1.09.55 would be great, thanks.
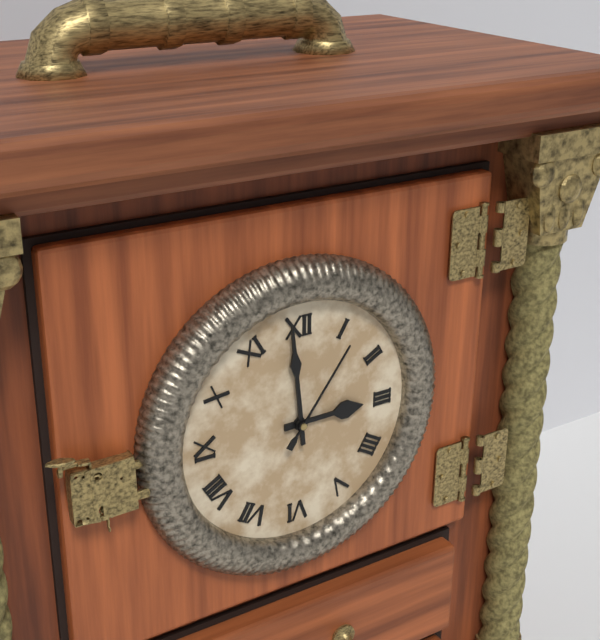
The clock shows 2.59.06
